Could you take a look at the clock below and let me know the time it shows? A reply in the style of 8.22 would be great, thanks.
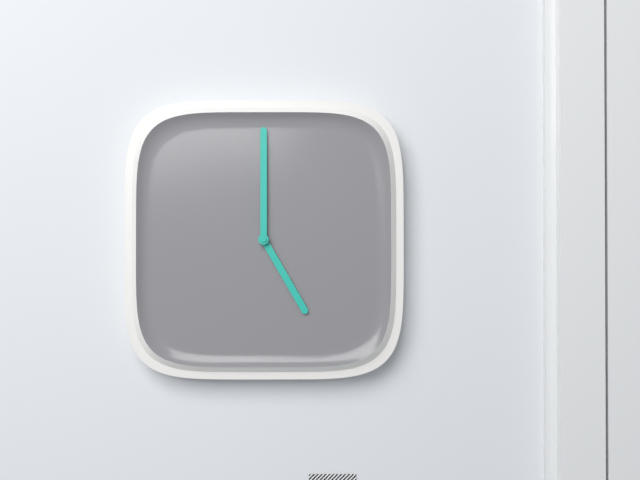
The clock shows 5.00
